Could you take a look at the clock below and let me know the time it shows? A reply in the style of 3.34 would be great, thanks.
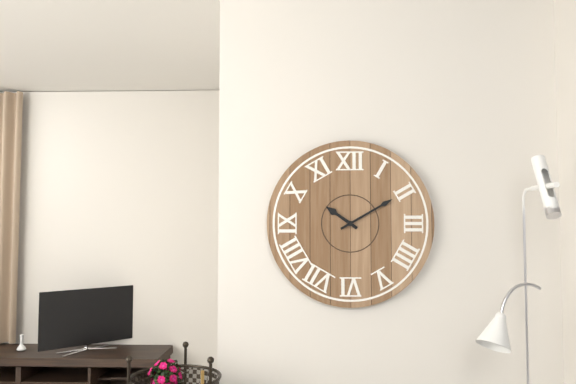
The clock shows 10.10
